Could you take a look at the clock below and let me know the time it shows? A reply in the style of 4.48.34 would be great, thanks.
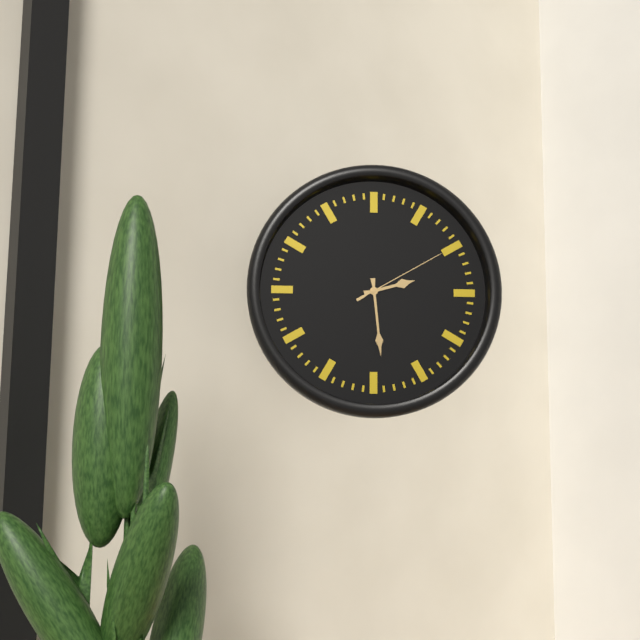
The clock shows 2.29.10
